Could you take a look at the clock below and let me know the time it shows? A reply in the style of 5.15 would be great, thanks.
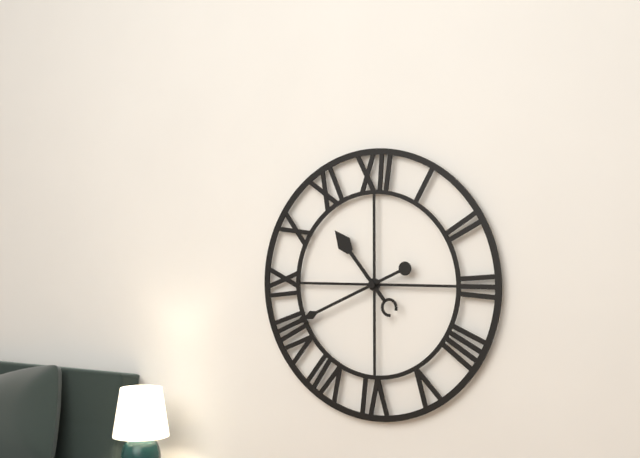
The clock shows 10.41
